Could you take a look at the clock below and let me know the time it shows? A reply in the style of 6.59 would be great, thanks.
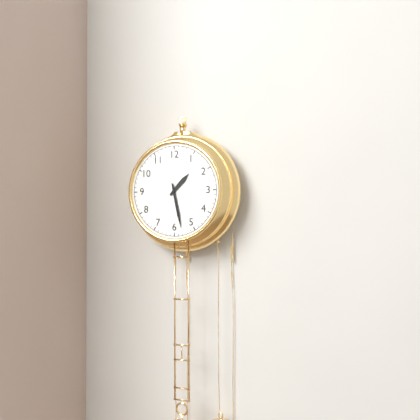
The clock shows 1.28
